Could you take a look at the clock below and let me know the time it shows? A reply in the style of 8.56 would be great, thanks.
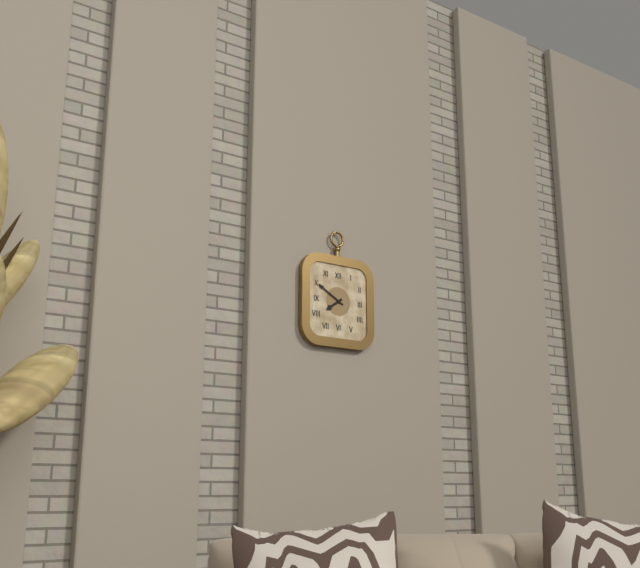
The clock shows 7.50
